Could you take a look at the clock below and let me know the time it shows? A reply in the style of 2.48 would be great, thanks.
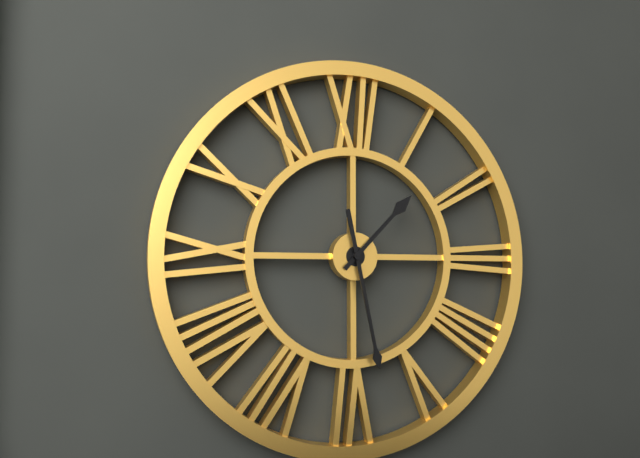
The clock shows 1.28
